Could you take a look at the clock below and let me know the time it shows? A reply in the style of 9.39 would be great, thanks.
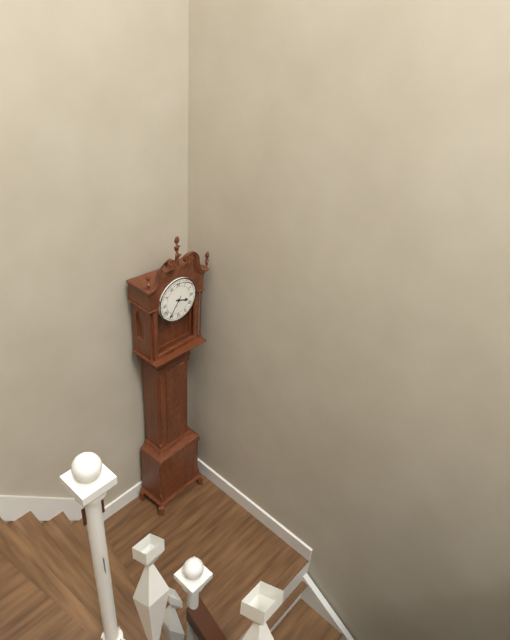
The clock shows 3.36
